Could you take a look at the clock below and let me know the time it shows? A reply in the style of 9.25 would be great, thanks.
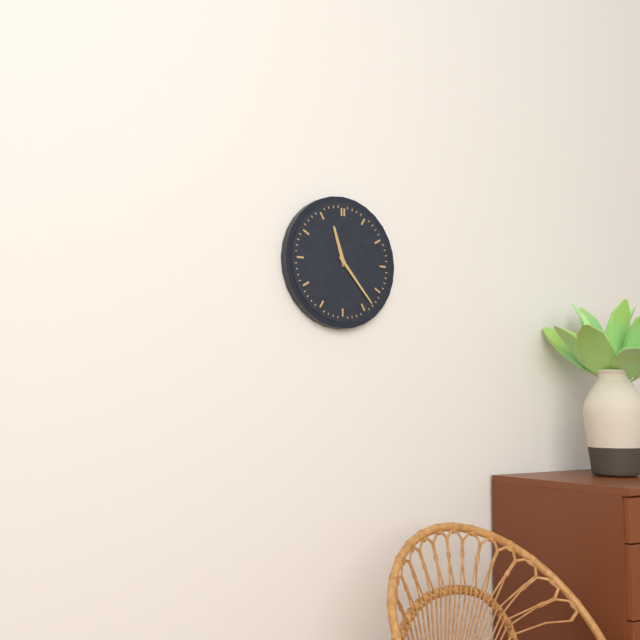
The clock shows 11.23
